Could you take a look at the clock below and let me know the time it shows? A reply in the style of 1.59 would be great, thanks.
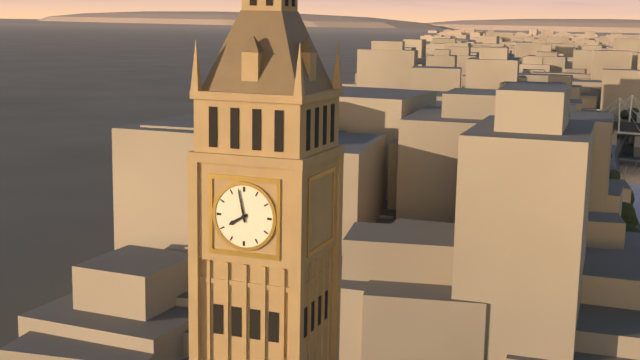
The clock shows 7.58
